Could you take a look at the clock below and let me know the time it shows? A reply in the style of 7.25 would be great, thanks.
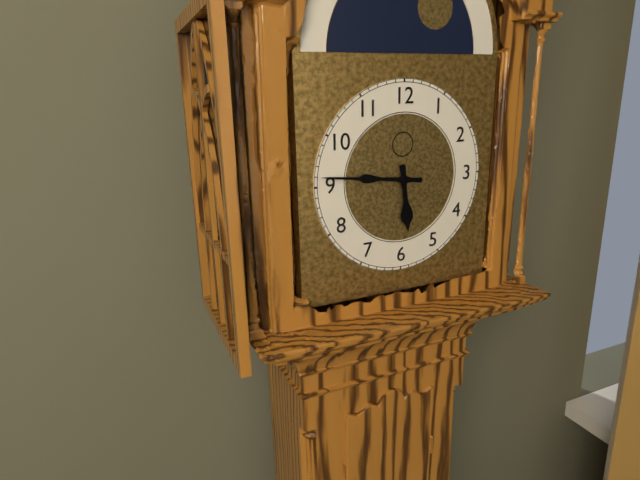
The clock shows 5.46
